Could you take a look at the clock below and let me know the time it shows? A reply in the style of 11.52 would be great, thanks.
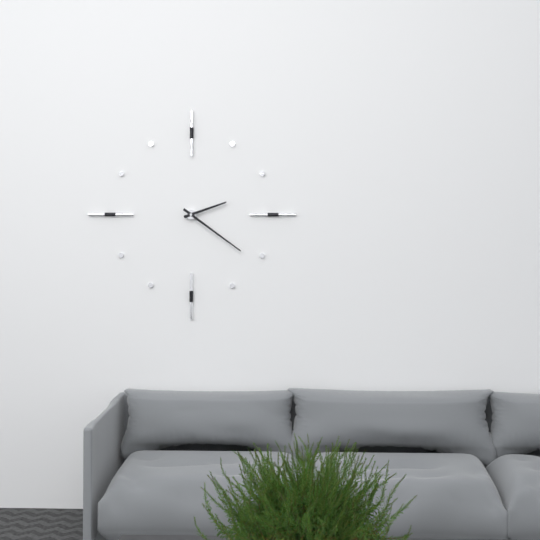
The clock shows 2.21
